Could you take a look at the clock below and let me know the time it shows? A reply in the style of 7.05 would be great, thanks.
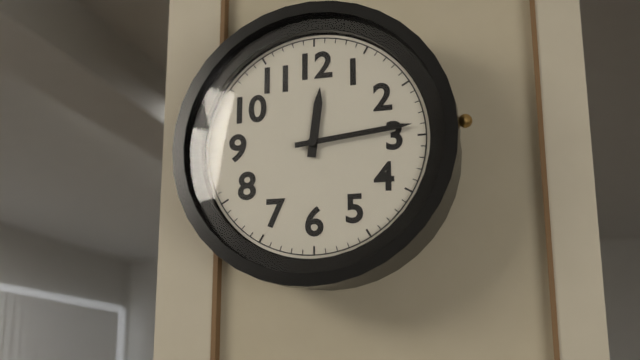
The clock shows 12.14
